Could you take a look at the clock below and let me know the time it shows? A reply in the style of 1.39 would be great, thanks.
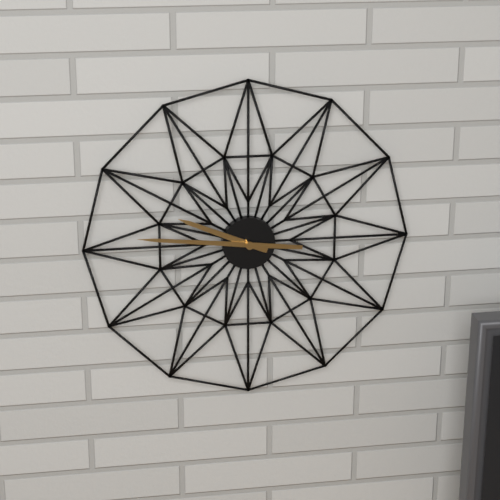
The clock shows 9.46
